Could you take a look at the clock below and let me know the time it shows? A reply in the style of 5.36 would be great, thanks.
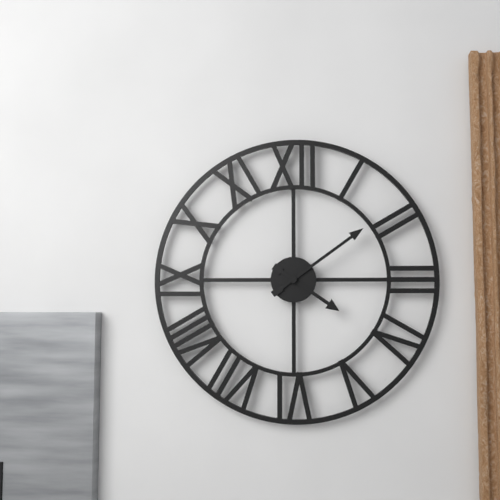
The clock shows 4.09
